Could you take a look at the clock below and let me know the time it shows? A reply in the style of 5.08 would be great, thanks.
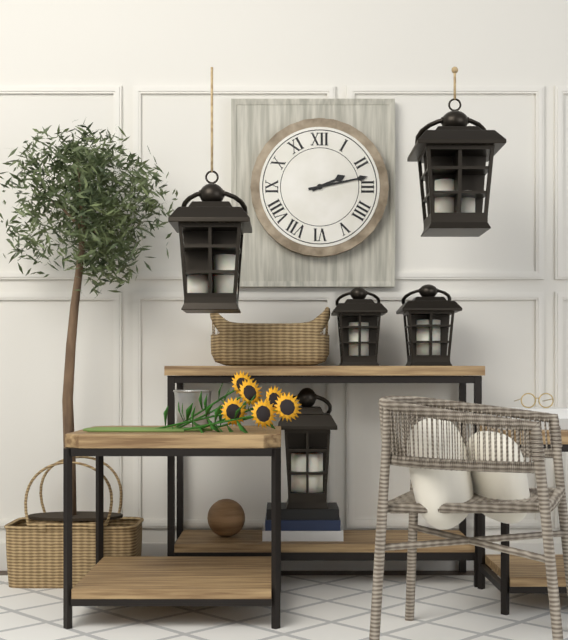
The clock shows 2.13
